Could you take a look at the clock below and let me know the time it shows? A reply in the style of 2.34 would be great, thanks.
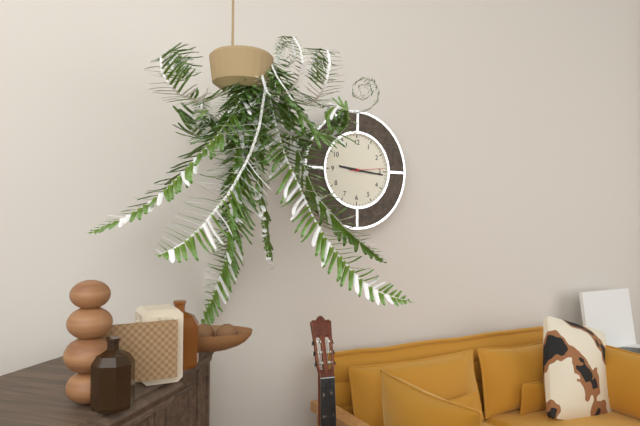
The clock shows 9.16
